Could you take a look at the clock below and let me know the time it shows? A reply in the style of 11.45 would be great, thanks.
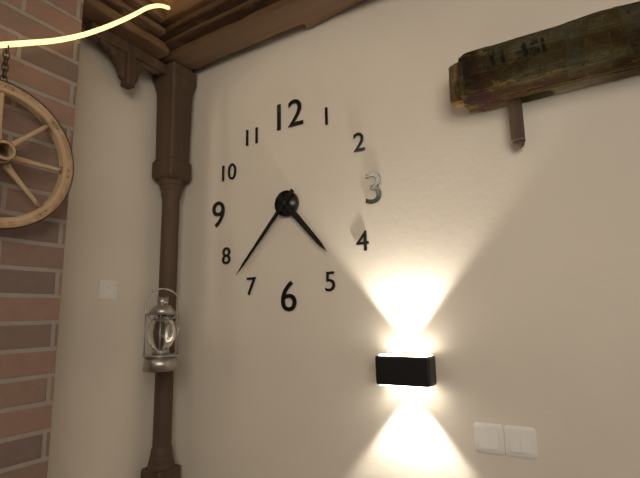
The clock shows 4.37
